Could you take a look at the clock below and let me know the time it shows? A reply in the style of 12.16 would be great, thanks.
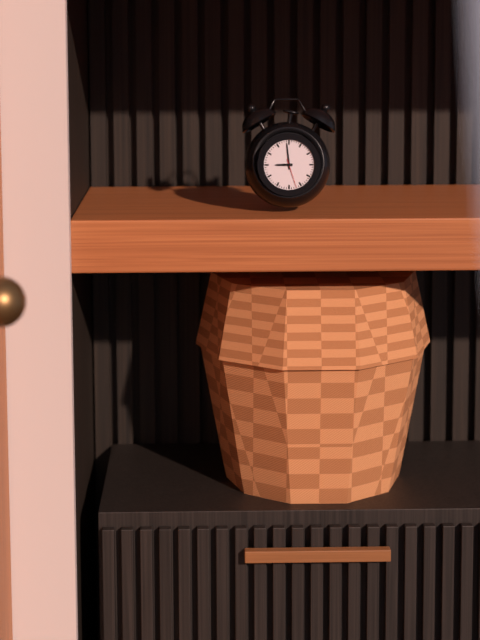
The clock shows 8.59
